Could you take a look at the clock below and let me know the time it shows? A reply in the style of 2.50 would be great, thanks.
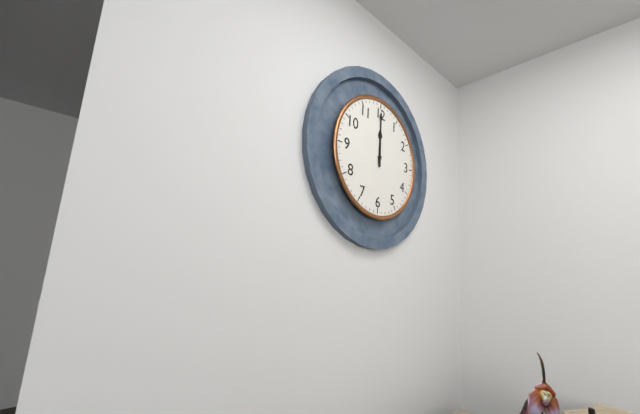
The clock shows 12.00
